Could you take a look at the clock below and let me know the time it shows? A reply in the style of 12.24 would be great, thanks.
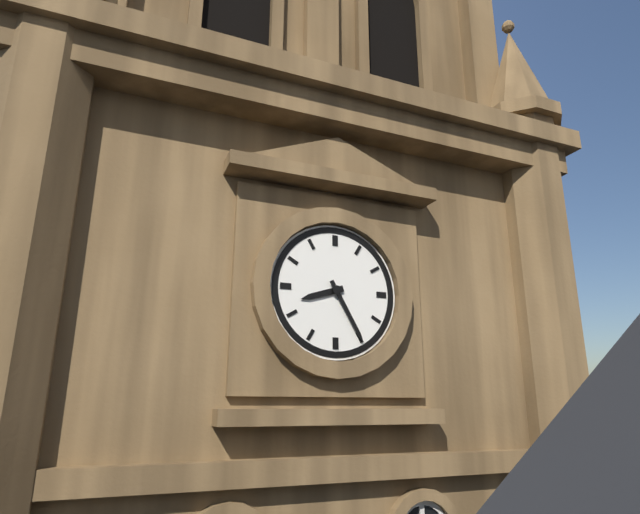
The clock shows 8.25
